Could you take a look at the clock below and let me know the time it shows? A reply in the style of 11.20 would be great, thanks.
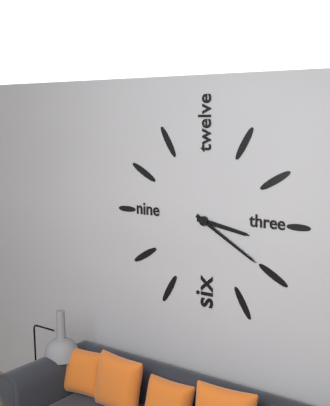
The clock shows 3.20
